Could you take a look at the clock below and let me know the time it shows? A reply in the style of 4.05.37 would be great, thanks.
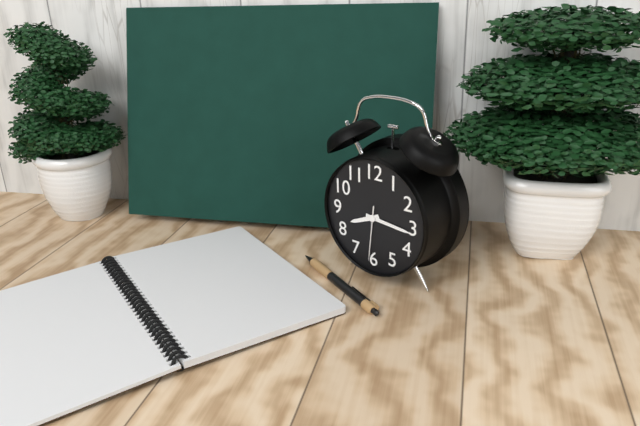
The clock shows 8.16.31
